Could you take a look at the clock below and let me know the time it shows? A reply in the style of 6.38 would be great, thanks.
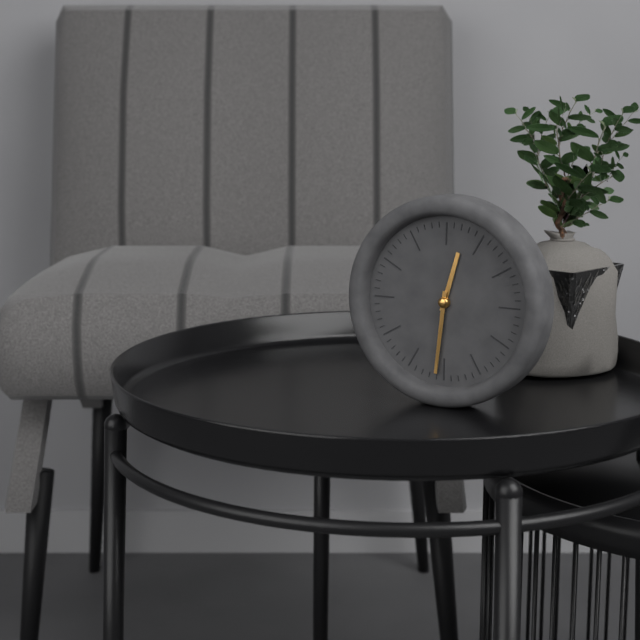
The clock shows 12.31
